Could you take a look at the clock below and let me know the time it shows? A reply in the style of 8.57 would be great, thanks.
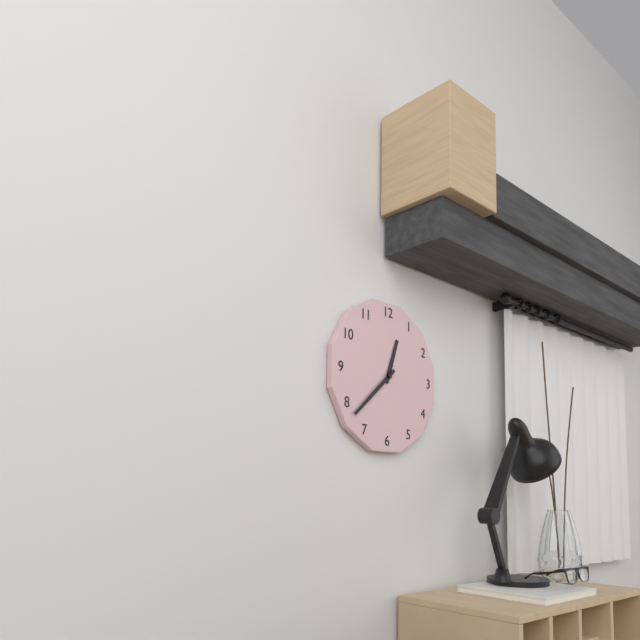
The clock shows 12.38
